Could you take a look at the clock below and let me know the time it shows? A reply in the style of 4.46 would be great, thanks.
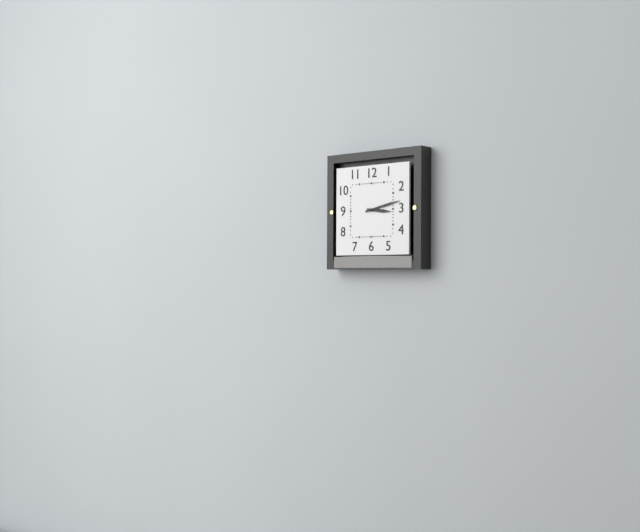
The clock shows 3.13
